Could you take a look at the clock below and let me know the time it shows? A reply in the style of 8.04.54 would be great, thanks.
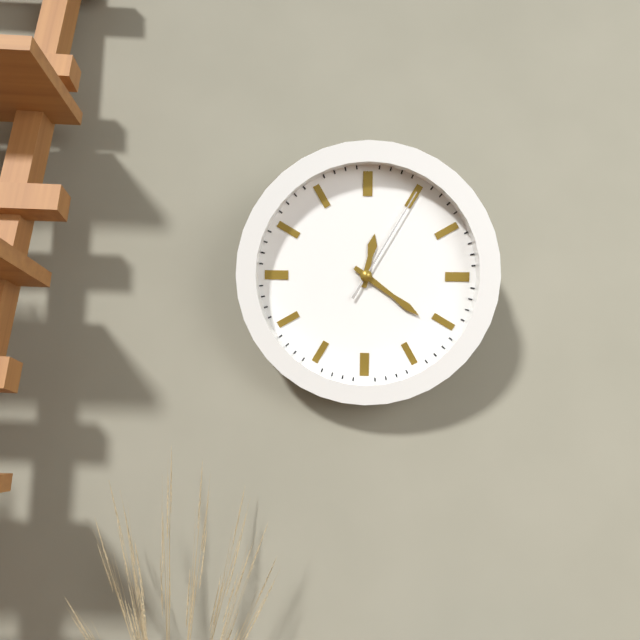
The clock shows 12.21.05
